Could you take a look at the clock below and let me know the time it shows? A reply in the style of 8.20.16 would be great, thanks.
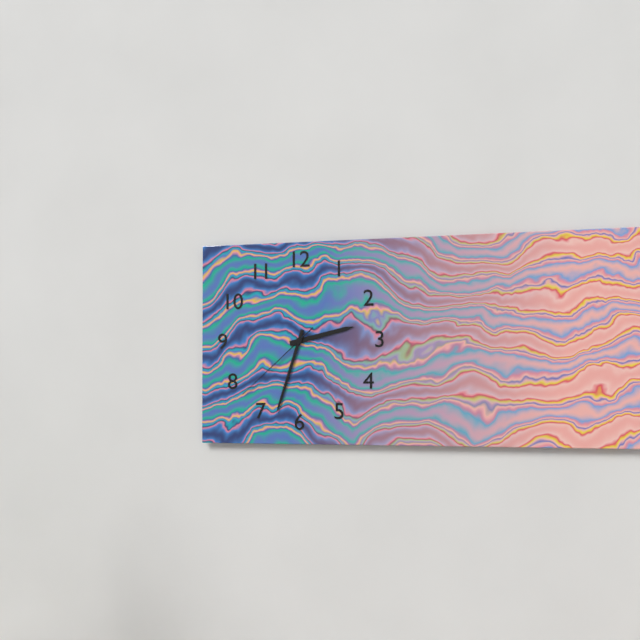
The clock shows 2.33.38
